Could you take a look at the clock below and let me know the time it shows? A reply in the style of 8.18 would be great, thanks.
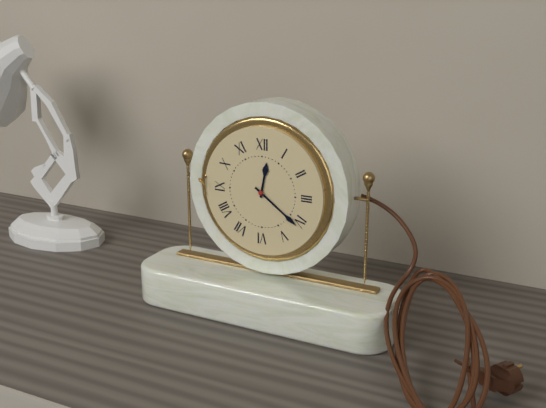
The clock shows 12.21
